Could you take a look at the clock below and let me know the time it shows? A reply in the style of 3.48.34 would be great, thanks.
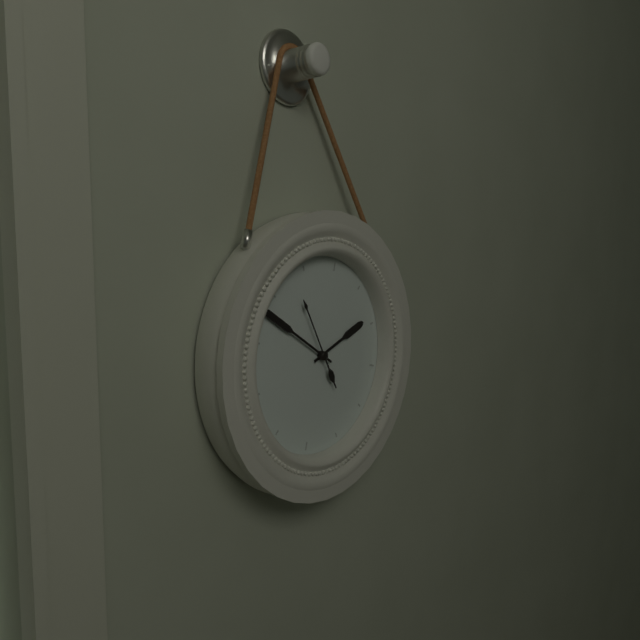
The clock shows 1.48.53
